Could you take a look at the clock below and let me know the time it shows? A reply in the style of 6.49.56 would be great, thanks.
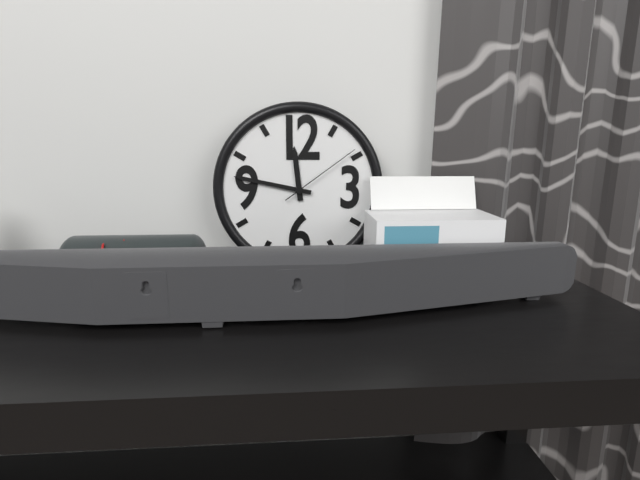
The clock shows 11.47.09
